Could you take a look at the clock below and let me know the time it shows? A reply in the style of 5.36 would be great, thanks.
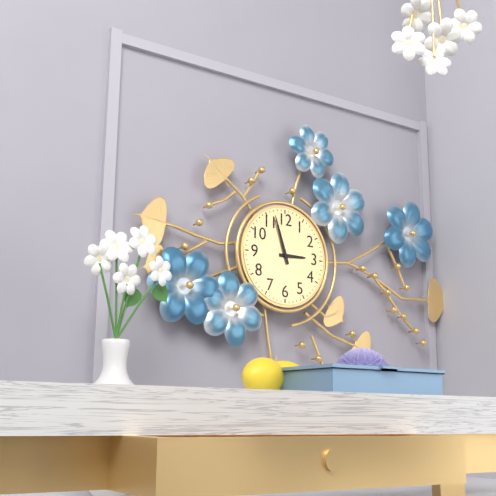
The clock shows 2.57
